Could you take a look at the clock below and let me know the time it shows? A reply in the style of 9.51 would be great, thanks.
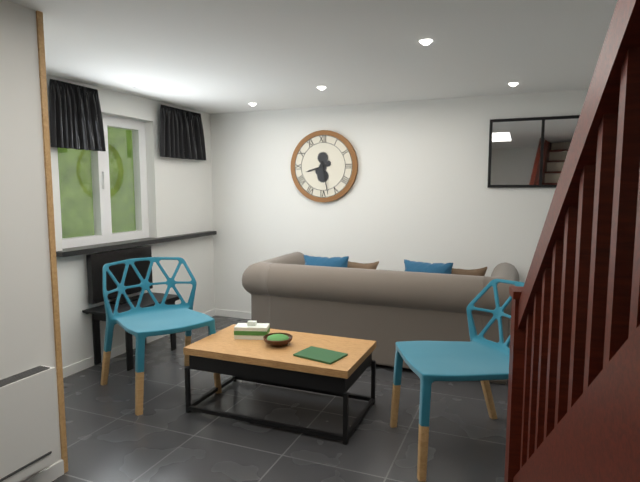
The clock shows 8.28
